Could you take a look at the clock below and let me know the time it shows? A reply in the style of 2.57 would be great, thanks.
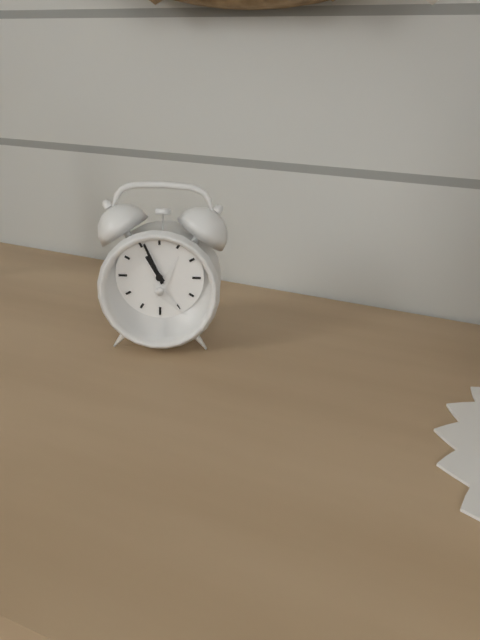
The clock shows 10.56
